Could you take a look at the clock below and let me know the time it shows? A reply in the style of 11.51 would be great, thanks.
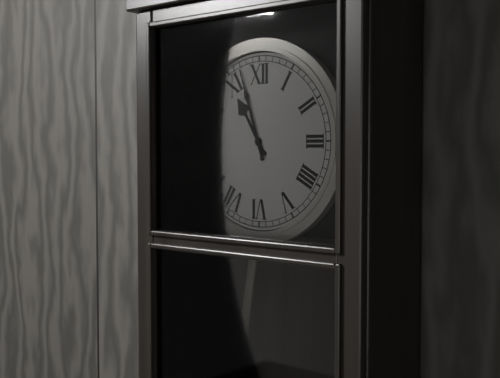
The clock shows 10.57
